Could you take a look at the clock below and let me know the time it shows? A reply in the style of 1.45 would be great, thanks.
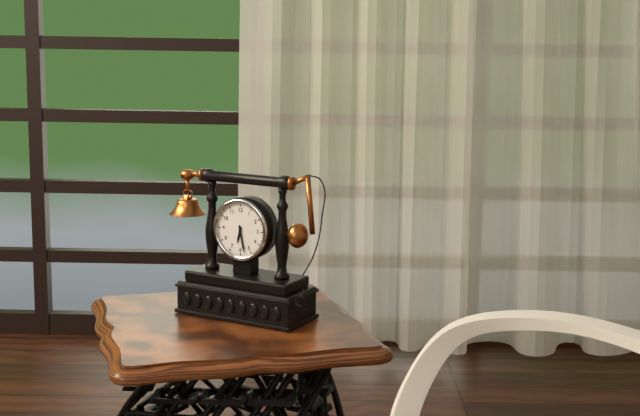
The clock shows 6.28
